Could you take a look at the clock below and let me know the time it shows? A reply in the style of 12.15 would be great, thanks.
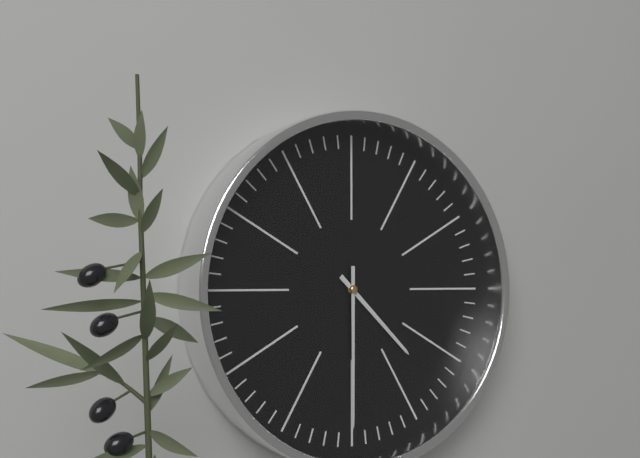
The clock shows 4.30
